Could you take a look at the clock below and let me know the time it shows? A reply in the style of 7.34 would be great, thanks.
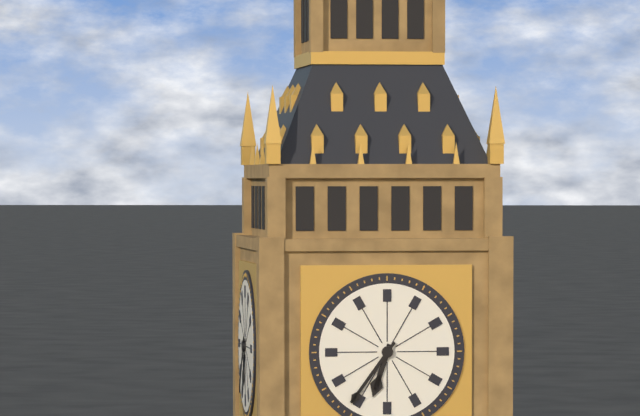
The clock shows 6.36
